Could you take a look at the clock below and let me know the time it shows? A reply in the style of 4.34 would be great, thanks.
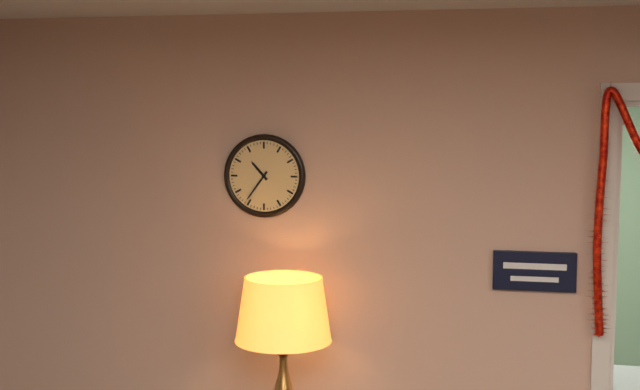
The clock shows 10.36
